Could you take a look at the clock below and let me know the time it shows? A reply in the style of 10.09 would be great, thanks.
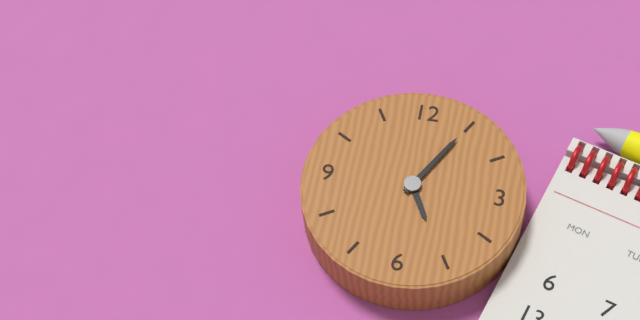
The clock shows 5.05
